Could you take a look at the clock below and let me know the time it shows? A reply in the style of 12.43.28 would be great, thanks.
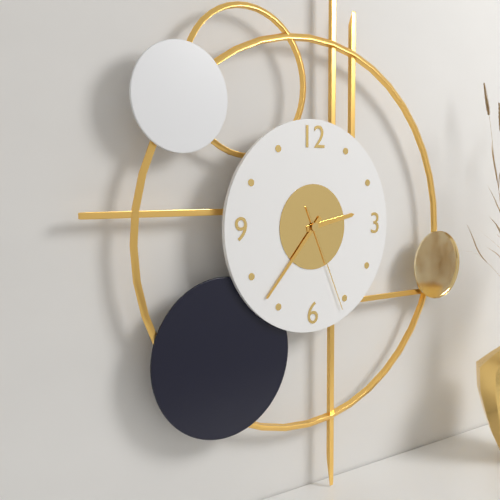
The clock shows 2.37.26
